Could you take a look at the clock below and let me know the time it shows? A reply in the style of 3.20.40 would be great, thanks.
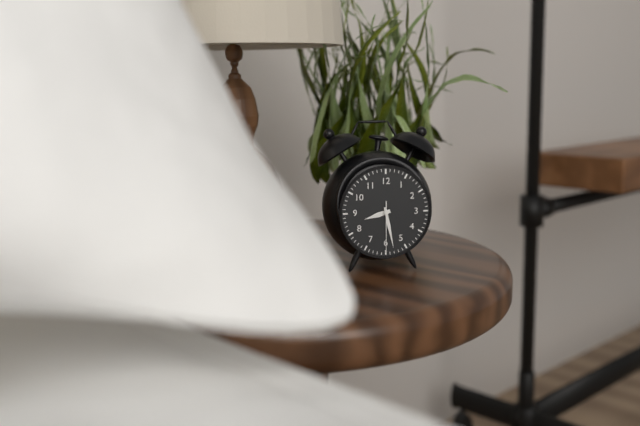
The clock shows 8.28.30
